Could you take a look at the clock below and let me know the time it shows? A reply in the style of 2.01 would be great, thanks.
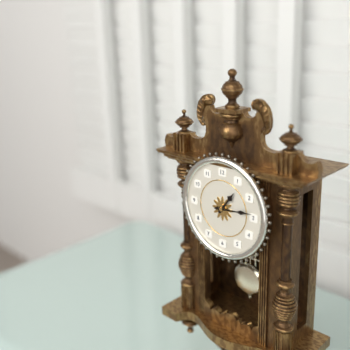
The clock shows 1.14
